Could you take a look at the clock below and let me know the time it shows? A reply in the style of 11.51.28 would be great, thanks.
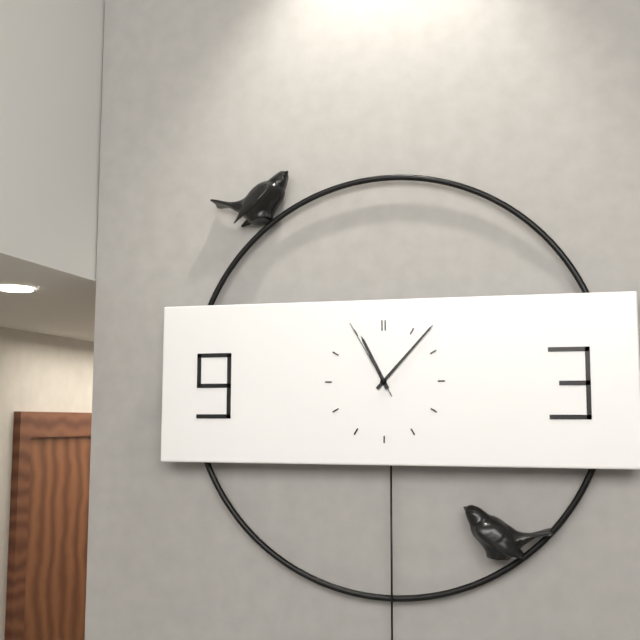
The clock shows 11.07.55
